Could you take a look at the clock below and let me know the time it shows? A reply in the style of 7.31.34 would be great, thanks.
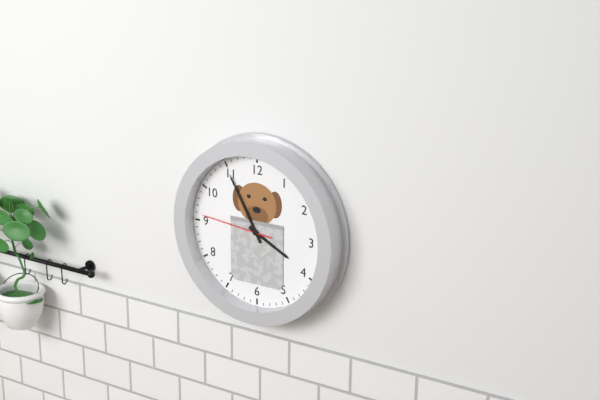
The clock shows 3.55.46
